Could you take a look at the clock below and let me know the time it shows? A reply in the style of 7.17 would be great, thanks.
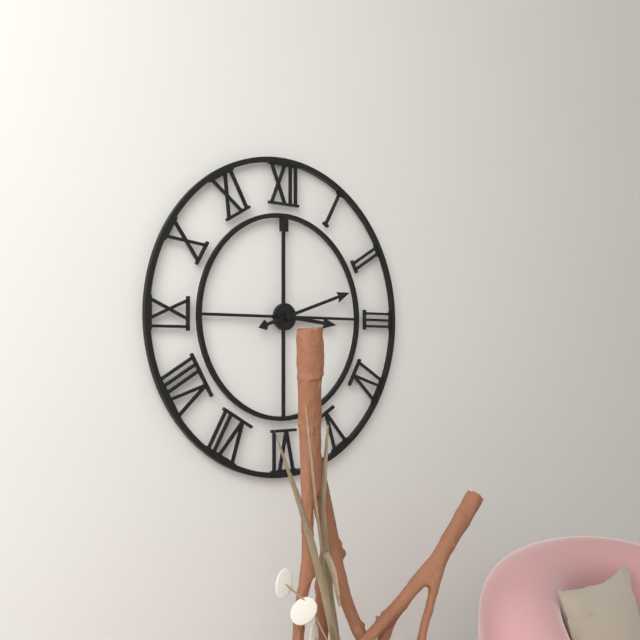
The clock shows 3.12
